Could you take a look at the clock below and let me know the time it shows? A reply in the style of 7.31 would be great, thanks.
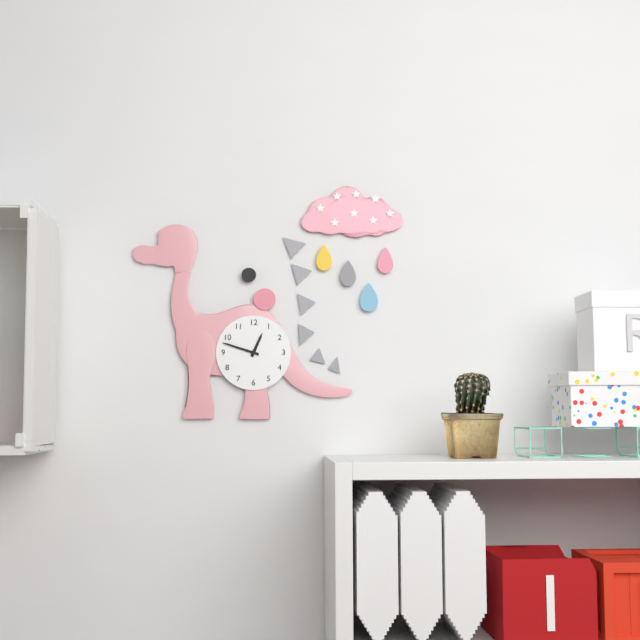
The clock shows 12.48
